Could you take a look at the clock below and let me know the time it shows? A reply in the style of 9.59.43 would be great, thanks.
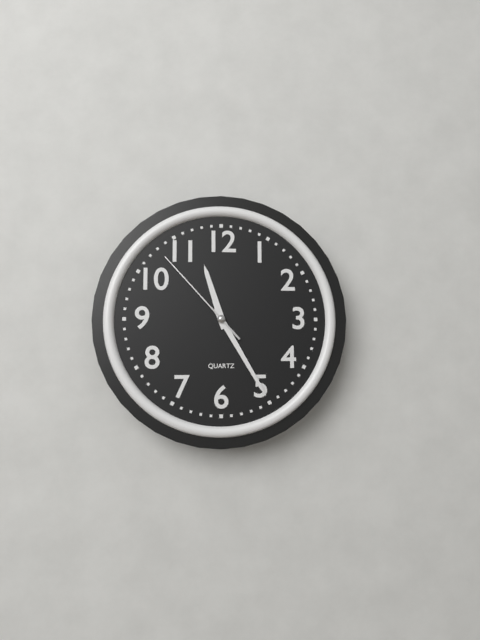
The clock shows 11.25.53
